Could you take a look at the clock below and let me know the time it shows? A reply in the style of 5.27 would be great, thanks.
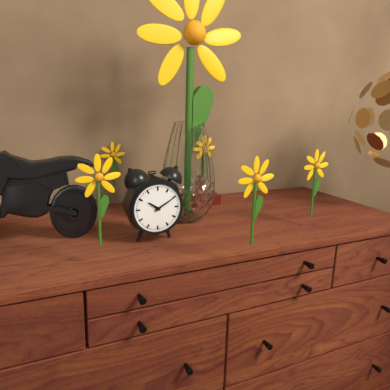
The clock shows 10.10
